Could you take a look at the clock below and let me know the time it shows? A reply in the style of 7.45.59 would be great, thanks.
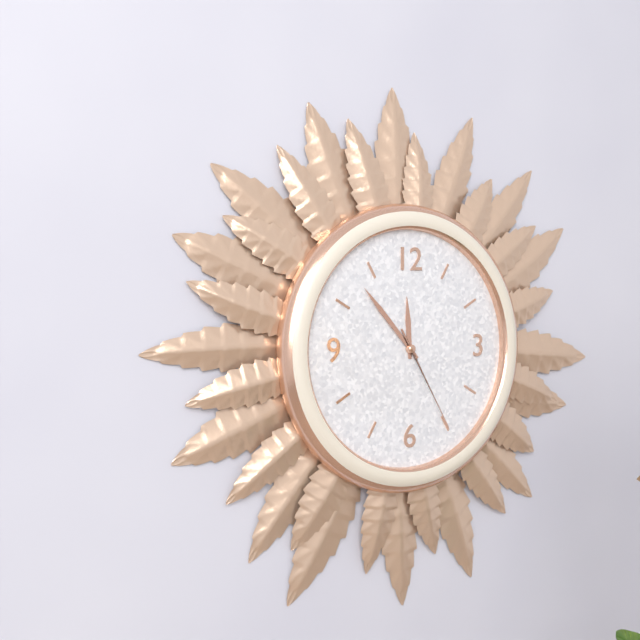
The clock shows 11.53.25
